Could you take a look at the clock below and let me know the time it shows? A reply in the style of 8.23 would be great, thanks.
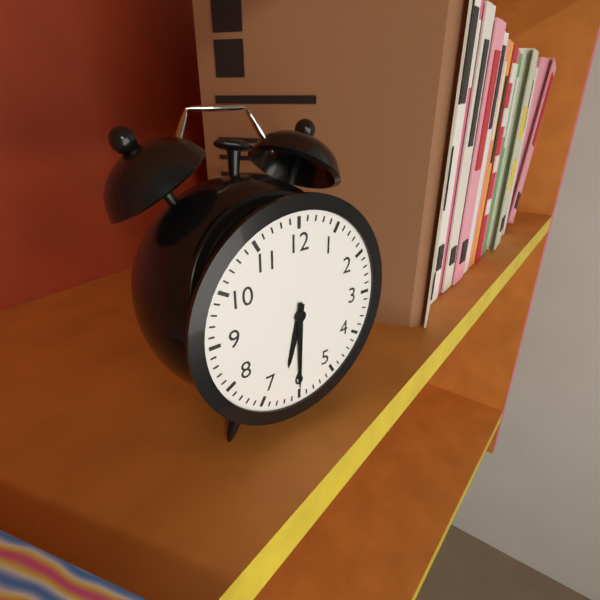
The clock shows 6.30
